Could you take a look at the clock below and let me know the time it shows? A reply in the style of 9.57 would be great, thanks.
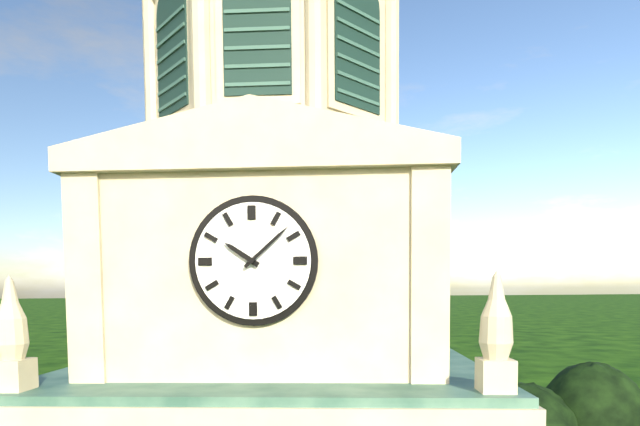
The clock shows 10.08
